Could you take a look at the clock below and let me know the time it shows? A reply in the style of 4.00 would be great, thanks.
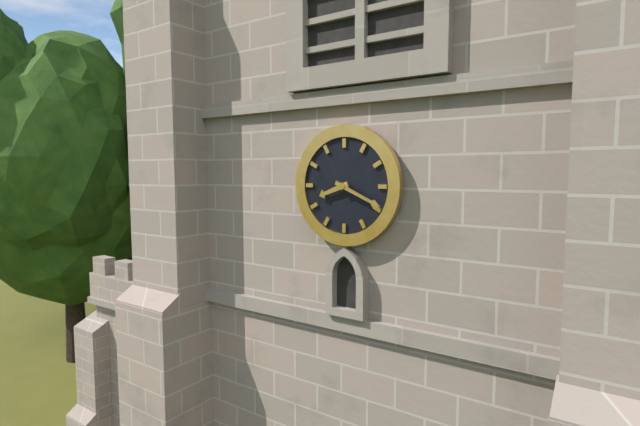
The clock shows 8.19
